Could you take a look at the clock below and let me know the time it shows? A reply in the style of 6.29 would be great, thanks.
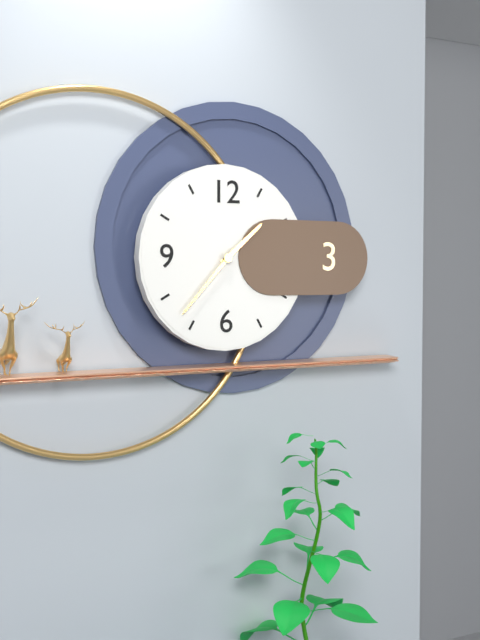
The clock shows 1.37
